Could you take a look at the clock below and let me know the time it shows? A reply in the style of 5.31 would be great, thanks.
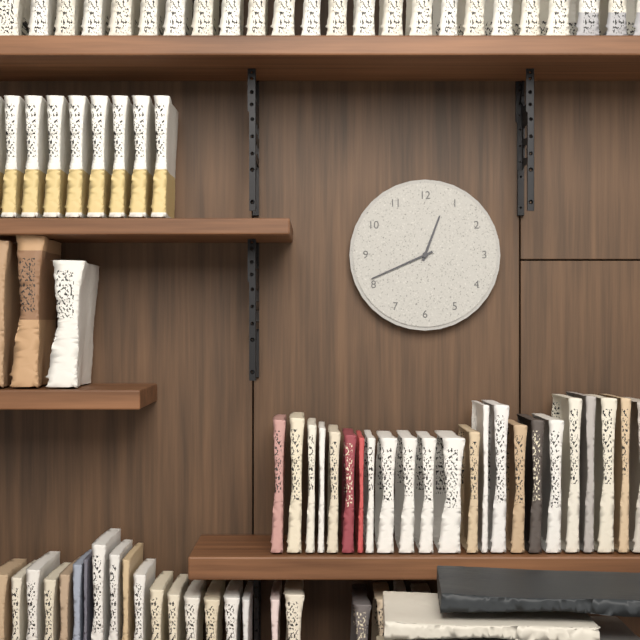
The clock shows 12.41
